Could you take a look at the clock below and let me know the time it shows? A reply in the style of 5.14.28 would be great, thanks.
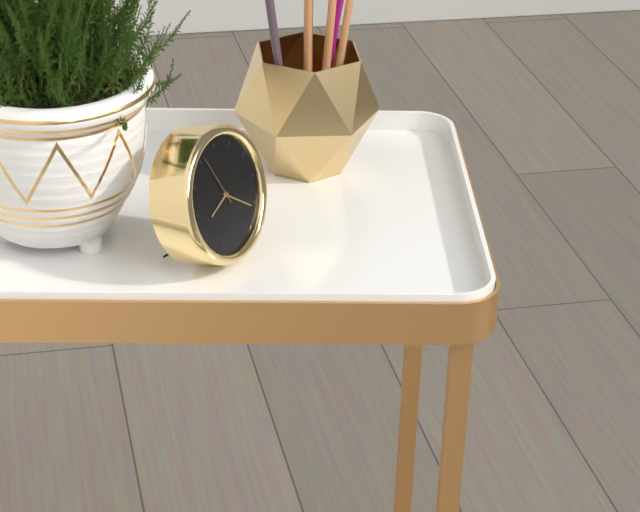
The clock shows 8.21.56
